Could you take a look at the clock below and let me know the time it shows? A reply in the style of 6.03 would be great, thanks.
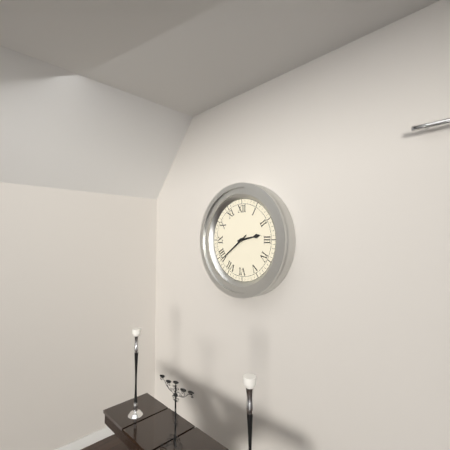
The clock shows 2.39
